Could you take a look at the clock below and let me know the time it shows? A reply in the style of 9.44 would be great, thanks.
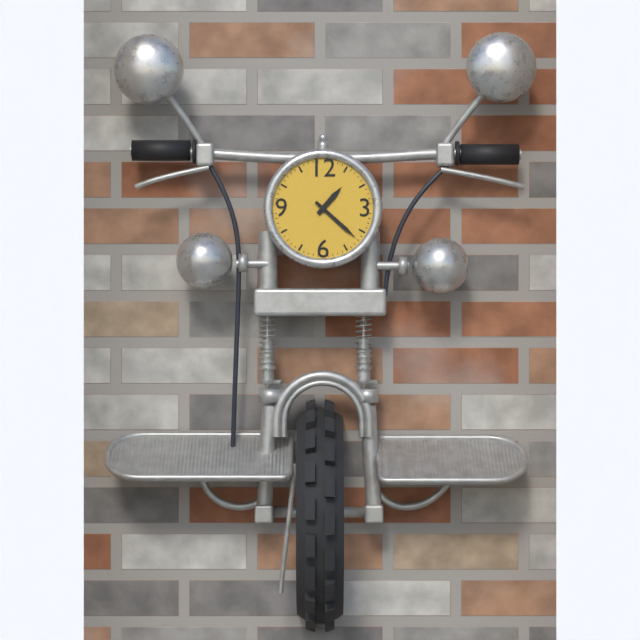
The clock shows 1.22
